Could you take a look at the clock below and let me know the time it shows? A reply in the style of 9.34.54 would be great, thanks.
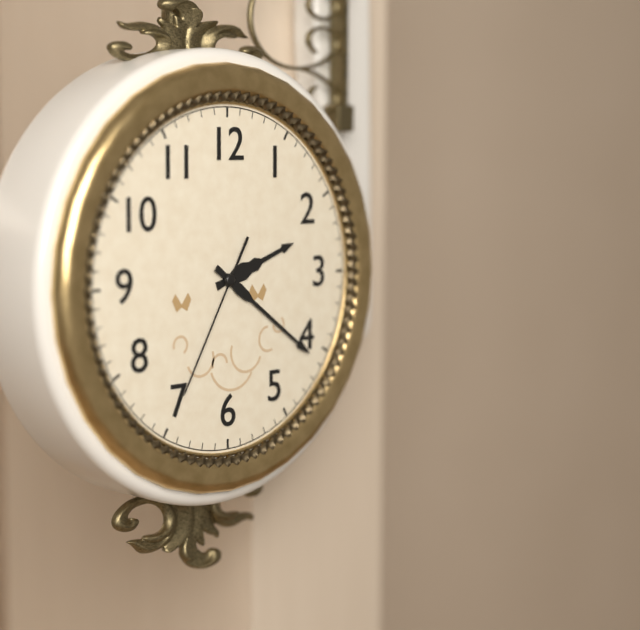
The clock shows 2.21.35
